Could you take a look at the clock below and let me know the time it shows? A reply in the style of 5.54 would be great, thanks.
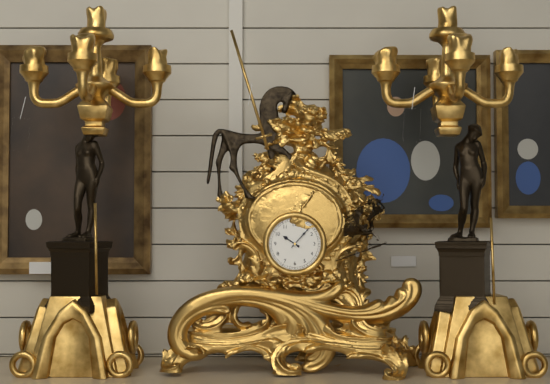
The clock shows 10.07
